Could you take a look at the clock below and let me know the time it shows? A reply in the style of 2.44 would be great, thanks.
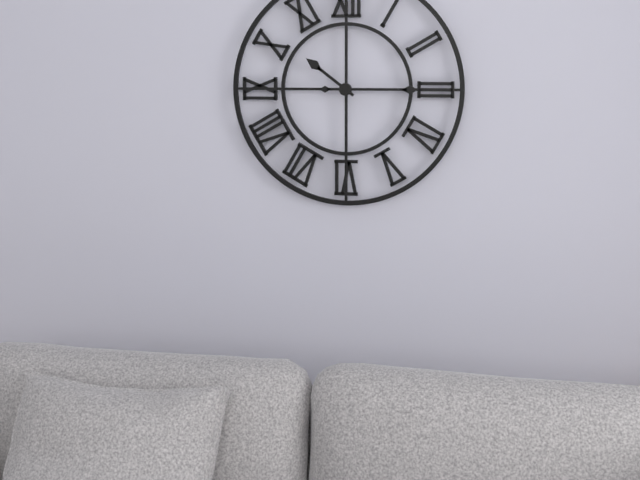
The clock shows 10.15
